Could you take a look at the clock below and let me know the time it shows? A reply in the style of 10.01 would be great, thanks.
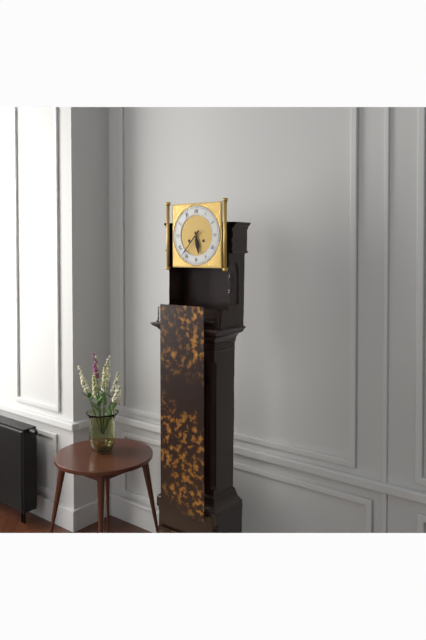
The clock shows 5.37
